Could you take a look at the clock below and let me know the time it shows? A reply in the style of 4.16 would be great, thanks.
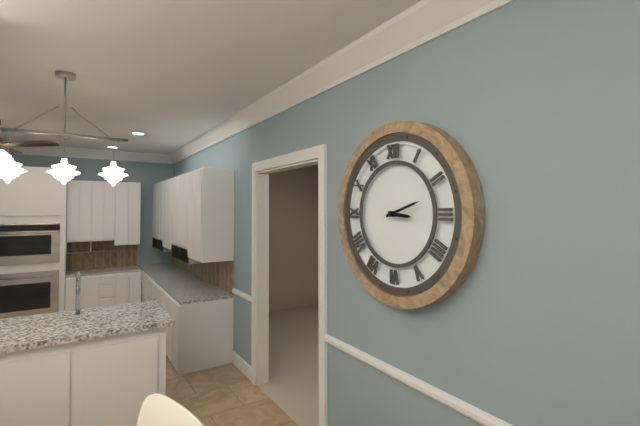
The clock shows 3.12
